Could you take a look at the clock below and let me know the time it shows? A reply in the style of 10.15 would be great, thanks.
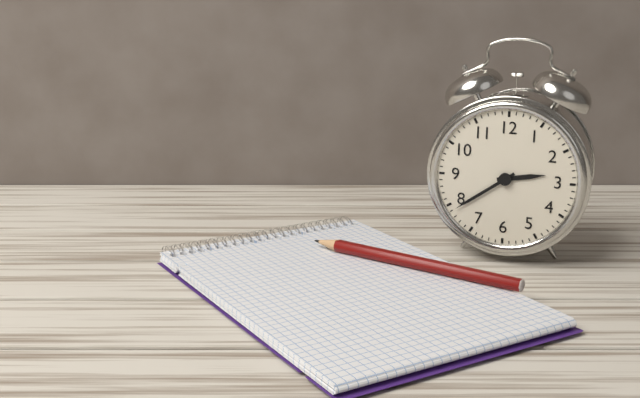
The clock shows 2.39
